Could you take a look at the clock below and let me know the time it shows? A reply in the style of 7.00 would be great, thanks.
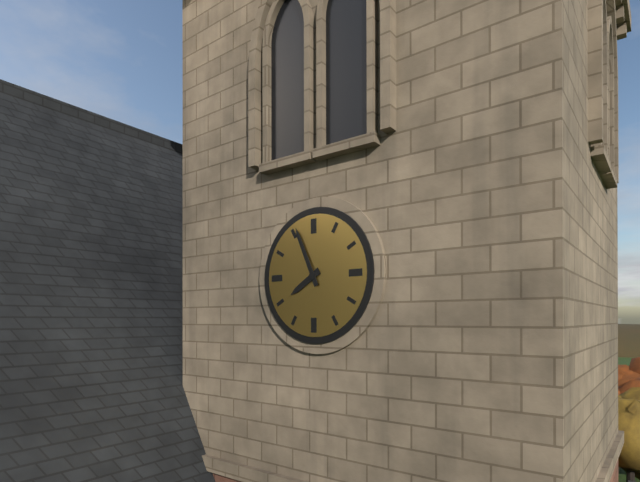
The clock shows 7.56
